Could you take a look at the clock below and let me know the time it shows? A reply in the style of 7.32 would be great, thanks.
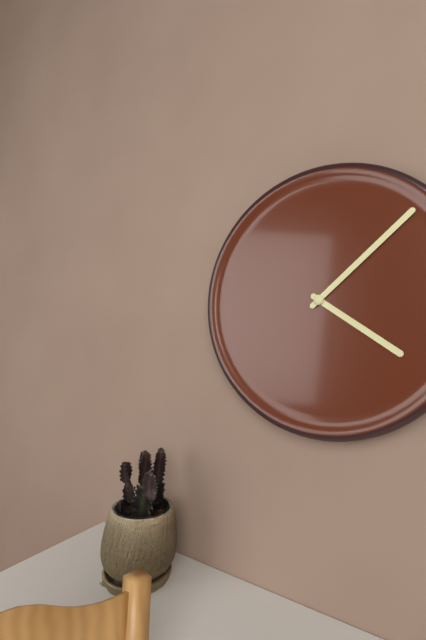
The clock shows 4.08
